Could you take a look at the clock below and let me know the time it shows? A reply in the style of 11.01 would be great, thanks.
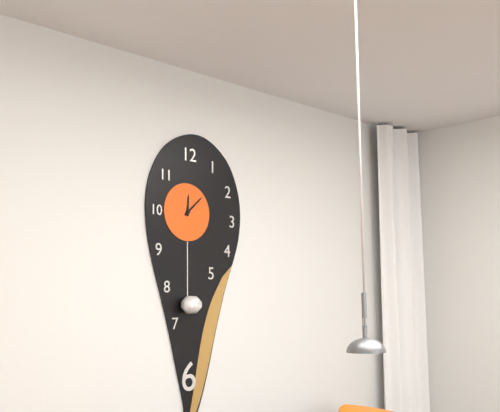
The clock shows 12.08
